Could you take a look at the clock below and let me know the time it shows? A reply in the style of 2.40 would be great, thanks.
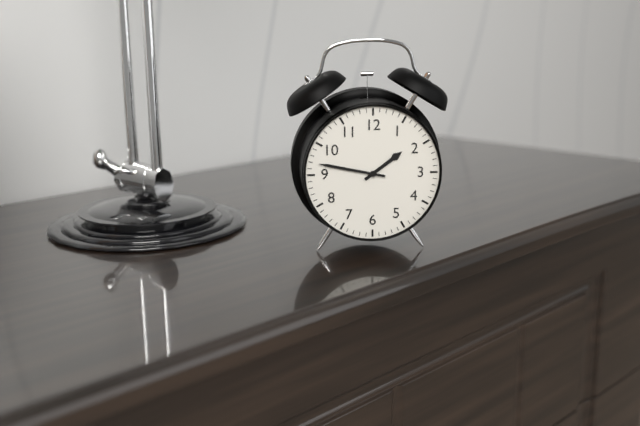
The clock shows 1.47
